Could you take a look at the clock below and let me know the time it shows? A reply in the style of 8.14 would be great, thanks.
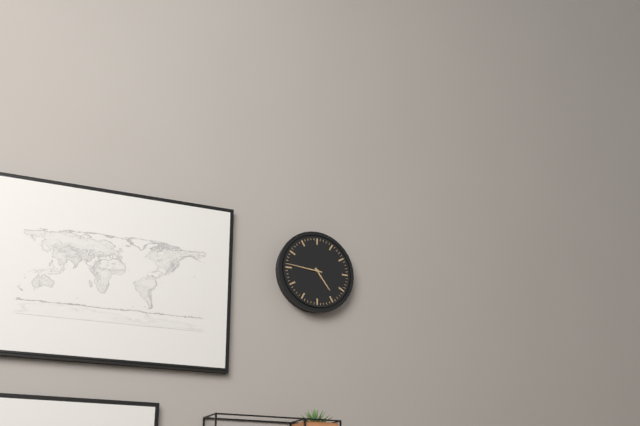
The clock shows 4.46
